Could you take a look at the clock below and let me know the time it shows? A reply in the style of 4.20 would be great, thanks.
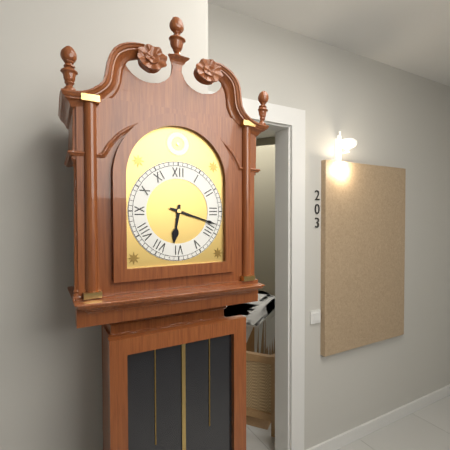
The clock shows 6.18
